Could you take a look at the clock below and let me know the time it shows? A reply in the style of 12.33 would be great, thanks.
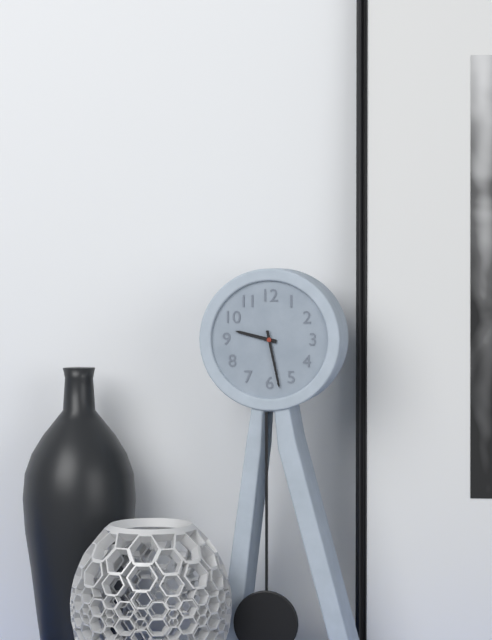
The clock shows 9.28
